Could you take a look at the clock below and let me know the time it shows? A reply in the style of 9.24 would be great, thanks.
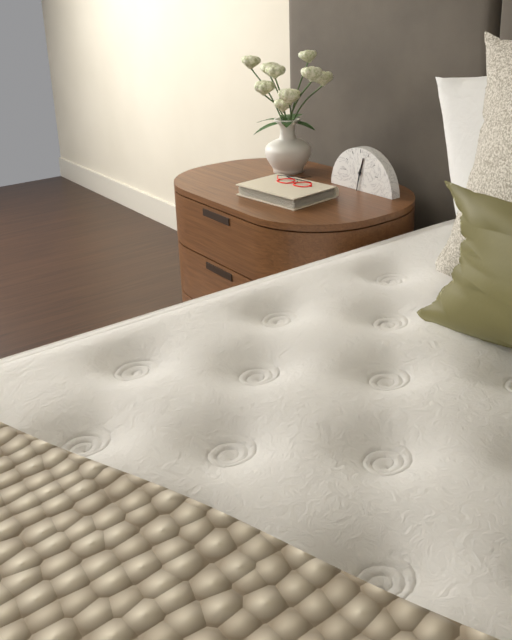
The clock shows 12.32
